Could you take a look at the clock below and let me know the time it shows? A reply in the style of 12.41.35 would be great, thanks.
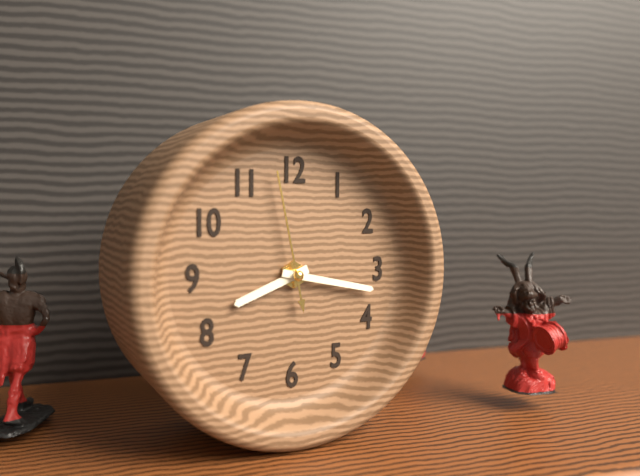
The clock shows 8.17.58
